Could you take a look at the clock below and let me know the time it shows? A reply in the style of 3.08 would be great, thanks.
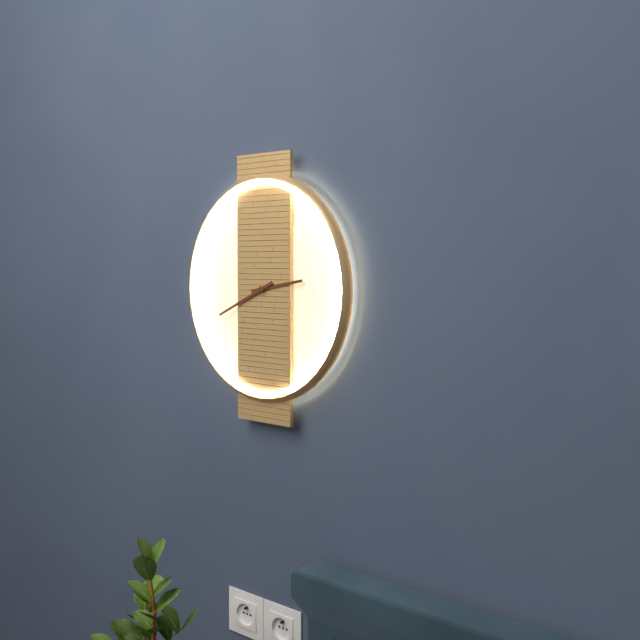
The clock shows 2.41
